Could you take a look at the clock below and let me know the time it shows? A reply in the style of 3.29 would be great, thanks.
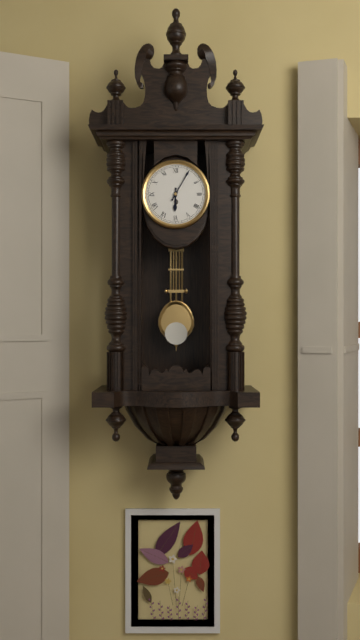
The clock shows 6.05
